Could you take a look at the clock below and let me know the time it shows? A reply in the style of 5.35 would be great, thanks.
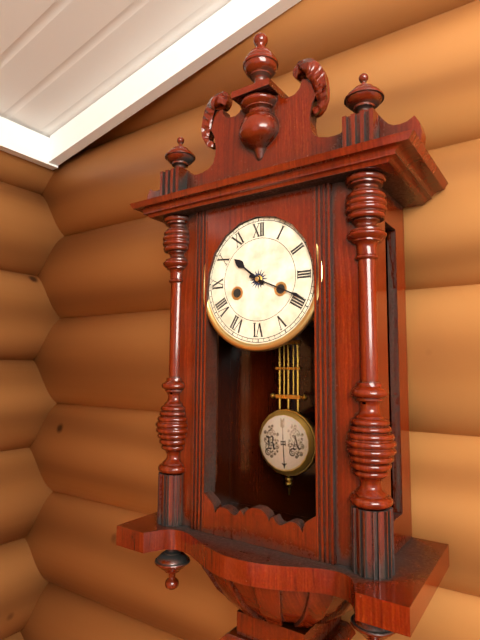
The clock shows 10.19
